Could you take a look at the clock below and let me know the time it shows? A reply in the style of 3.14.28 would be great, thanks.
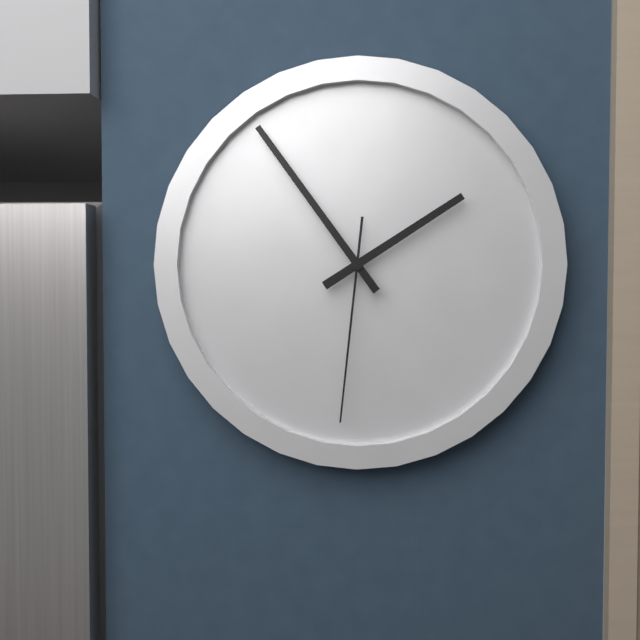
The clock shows 1.54.31
